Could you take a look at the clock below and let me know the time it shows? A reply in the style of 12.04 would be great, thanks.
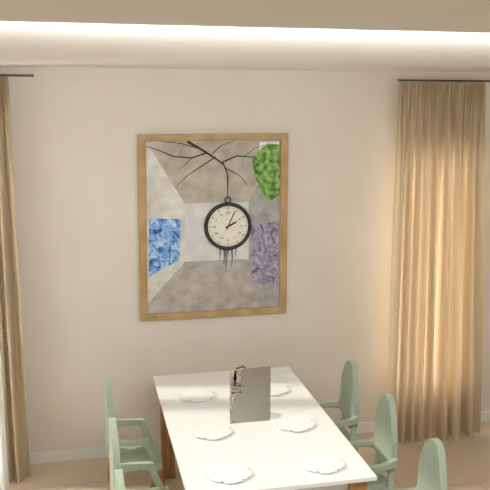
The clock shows 2.04
